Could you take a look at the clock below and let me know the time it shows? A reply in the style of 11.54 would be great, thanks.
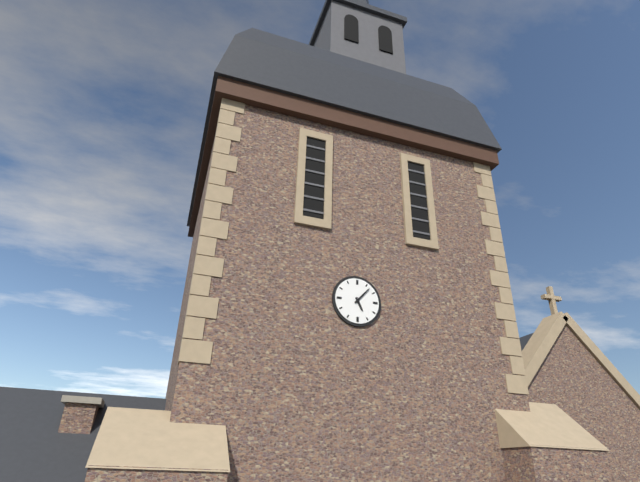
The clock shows 5.07
